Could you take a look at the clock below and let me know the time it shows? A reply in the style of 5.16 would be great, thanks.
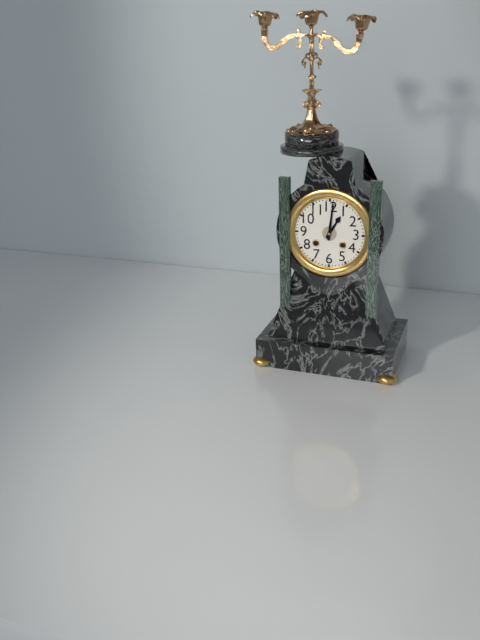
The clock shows 1.01
